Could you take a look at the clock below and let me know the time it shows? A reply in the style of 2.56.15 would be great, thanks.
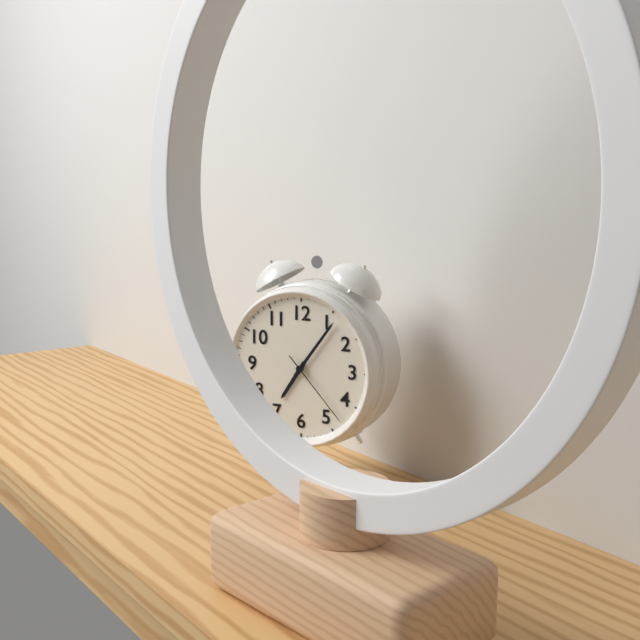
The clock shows 7.06.23
